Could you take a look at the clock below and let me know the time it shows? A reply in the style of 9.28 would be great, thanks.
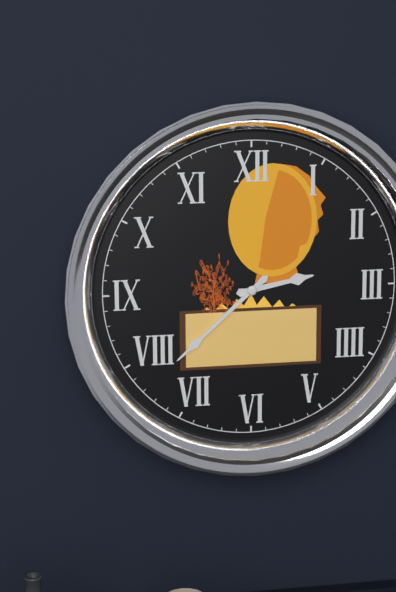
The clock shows 2.38
